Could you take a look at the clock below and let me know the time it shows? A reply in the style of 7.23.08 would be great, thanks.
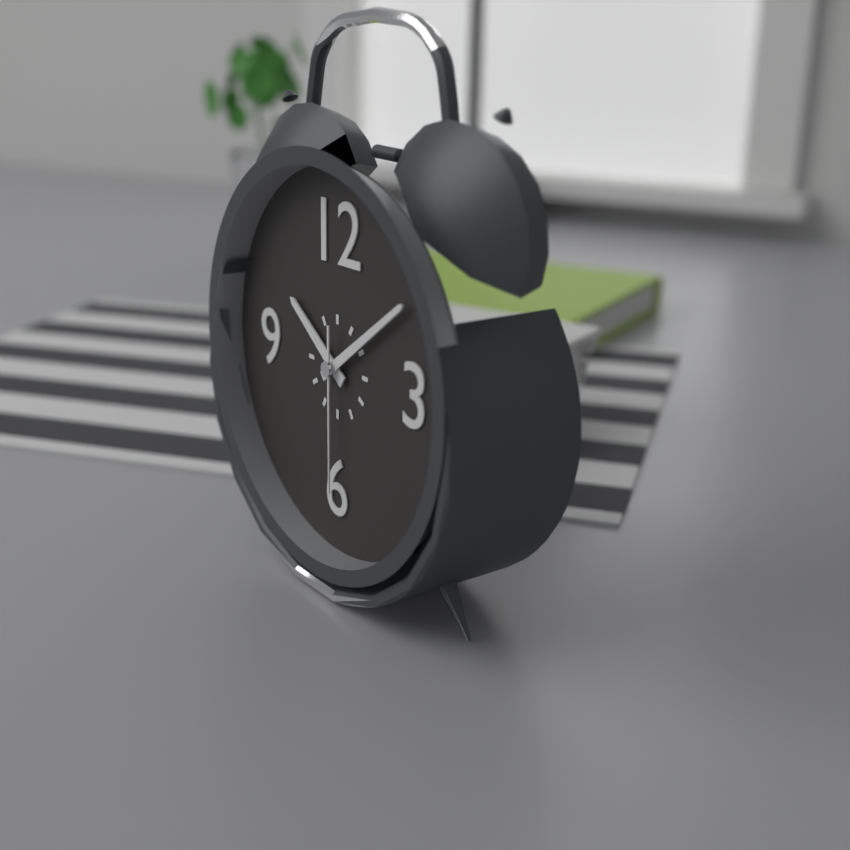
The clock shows 10.09.30
